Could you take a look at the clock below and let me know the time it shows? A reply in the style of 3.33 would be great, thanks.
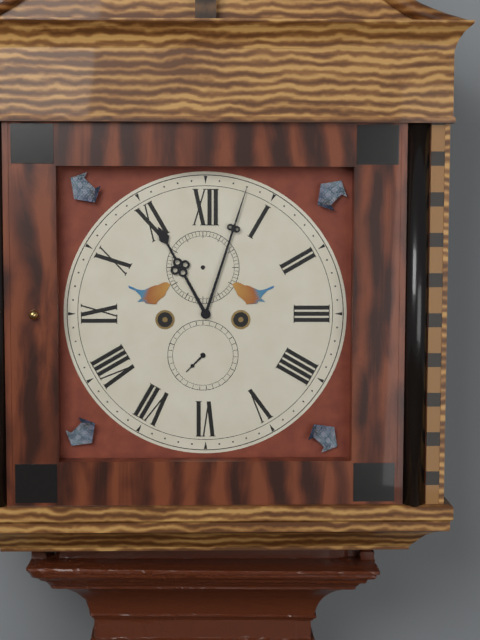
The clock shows 11.03
